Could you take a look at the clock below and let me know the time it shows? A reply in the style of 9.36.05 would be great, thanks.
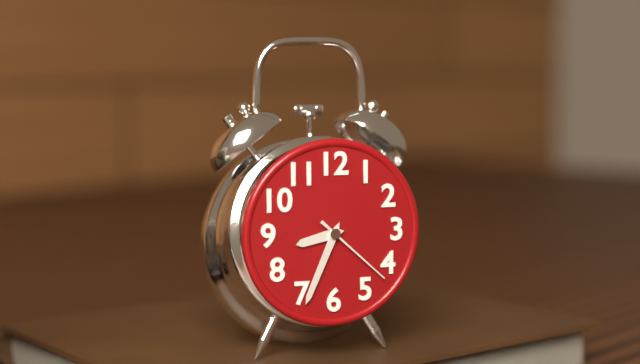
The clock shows 8.34.22
